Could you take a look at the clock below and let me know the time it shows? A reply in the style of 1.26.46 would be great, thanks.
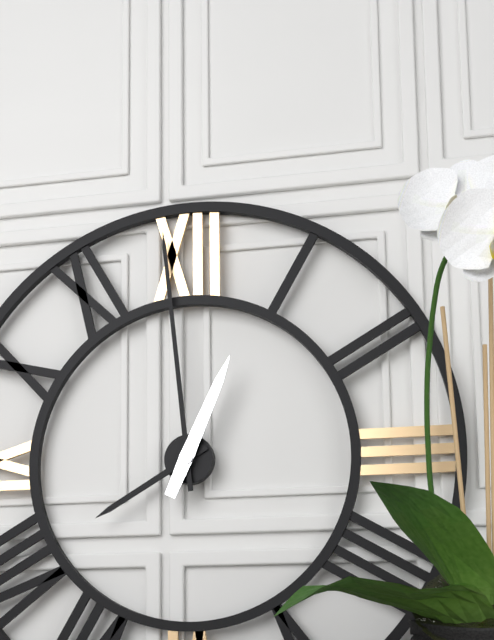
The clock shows 7.59.04
